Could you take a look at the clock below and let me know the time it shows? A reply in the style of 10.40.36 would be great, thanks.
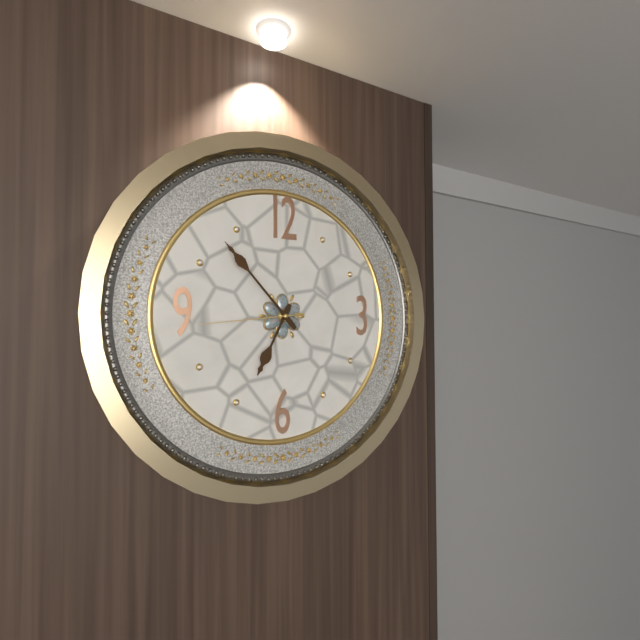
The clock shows 6.53.44
